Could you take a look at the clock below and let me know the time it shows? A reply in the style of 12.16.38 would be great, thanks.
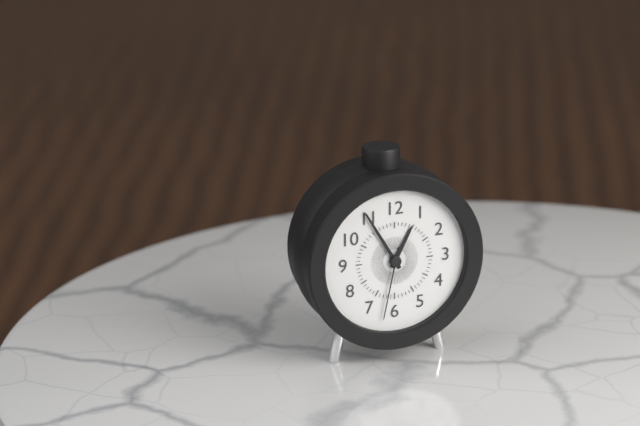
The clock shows 12.55.32
